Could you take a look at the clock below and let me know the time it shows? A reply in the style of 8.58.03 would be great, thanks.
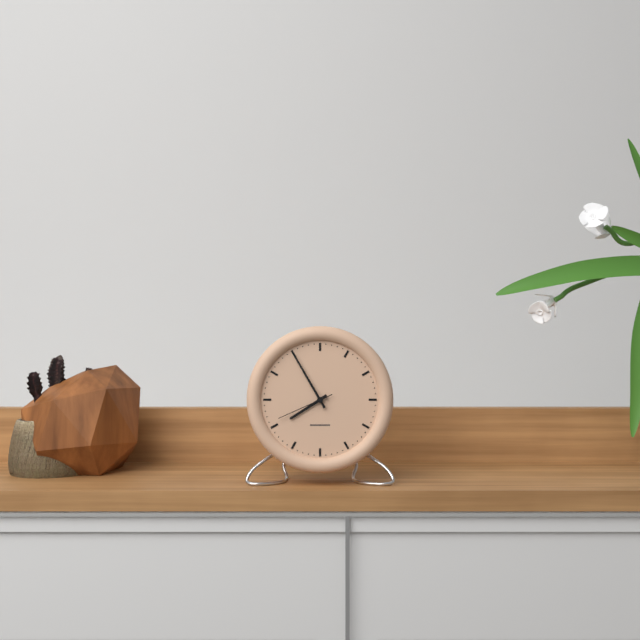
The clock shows 7.55.41
